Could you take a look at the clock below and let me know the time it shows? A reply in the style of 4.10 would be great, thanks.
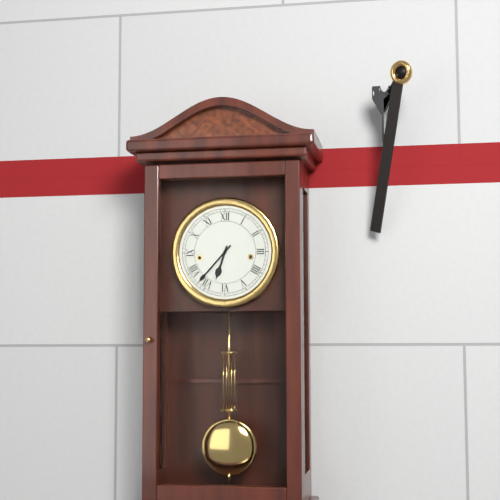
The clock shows 6.37
